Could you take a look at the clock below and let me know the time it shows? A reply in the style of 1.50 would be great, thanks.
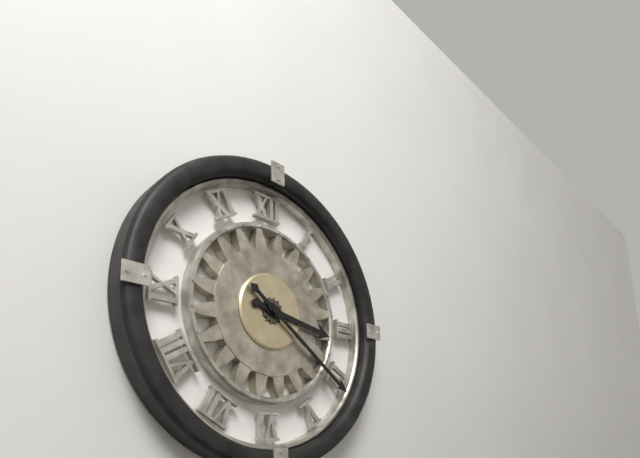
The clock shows 3.21
